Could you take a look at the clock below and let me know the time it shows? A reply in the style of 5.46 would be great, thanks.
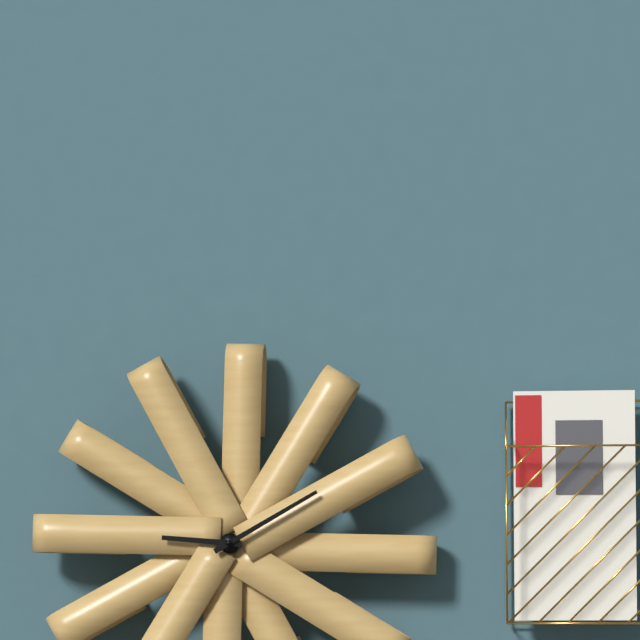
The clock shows 9.10
